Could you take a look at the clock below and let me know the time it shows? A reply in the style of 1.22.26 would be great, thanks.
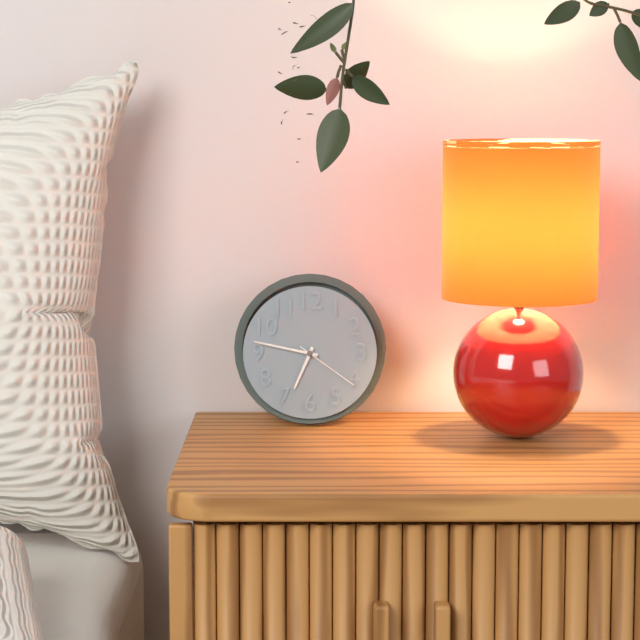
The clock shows 6.47.21
